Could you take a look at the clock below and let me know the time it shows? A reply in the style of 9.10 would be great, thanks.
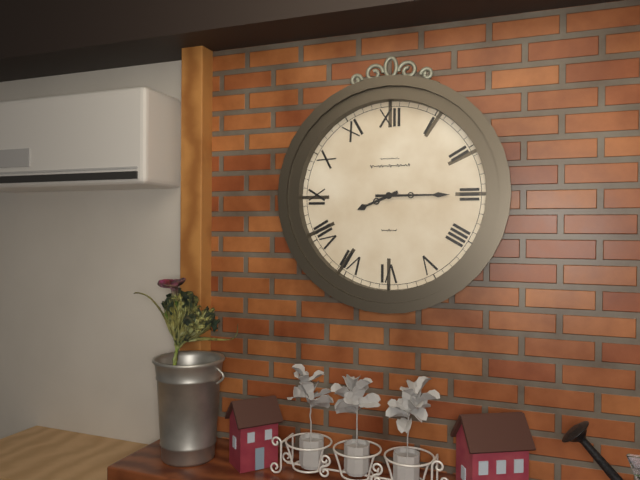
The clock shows 8.15
